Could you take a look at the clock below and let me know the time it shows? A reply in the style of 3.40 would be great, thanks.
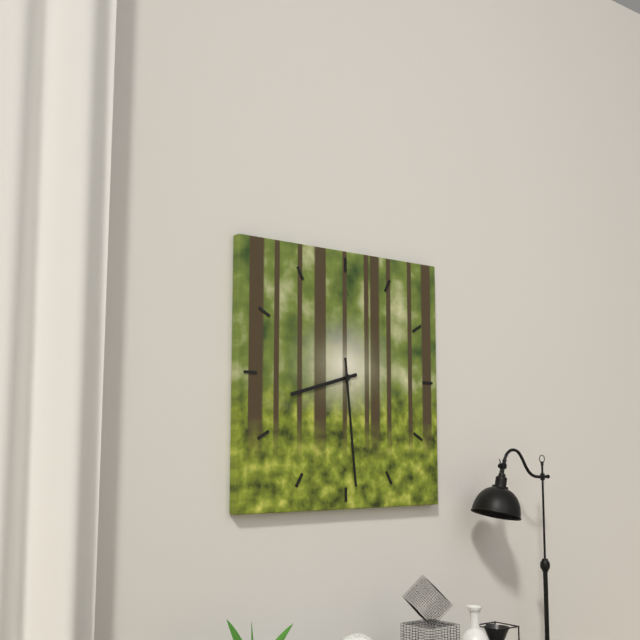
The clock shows 8.29
